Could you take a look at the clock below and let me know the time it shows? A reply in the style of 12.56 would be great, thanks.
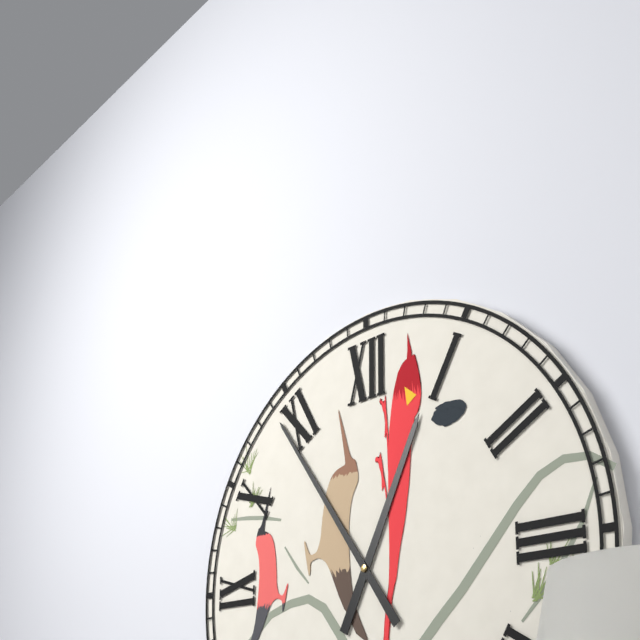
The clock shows 12.54
